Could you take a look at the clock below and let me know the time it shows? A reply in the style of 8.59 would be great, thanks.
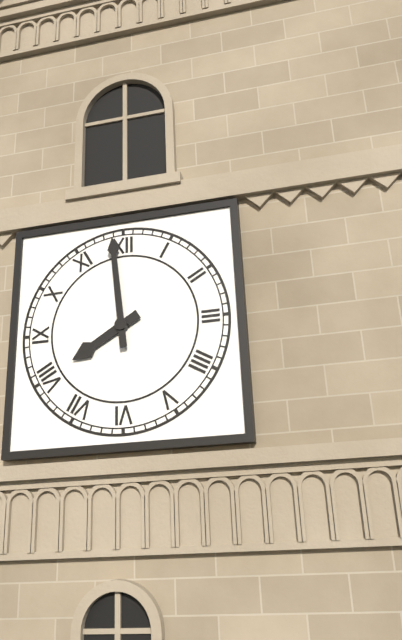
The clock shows 7.59
